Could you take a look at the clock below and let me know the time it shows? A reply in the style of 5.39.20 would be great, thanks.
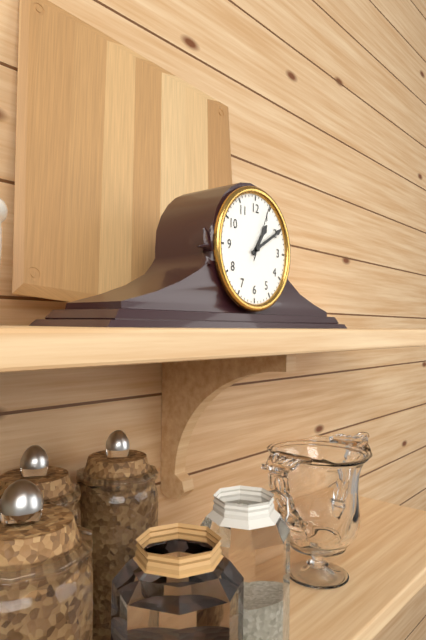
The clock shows 1.10.04
